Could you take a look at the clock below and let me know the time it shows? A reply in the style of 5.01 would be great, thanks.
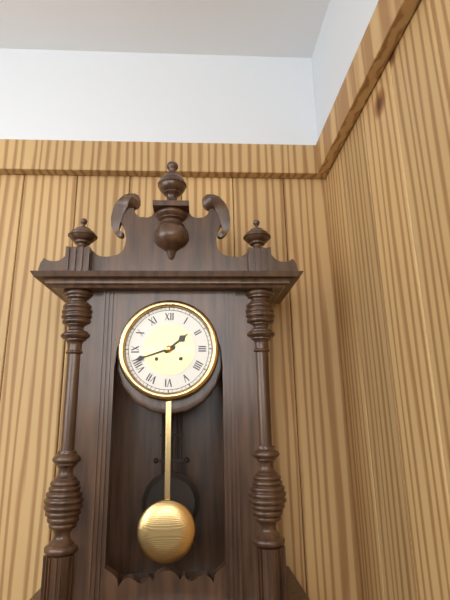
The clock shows 1.42
